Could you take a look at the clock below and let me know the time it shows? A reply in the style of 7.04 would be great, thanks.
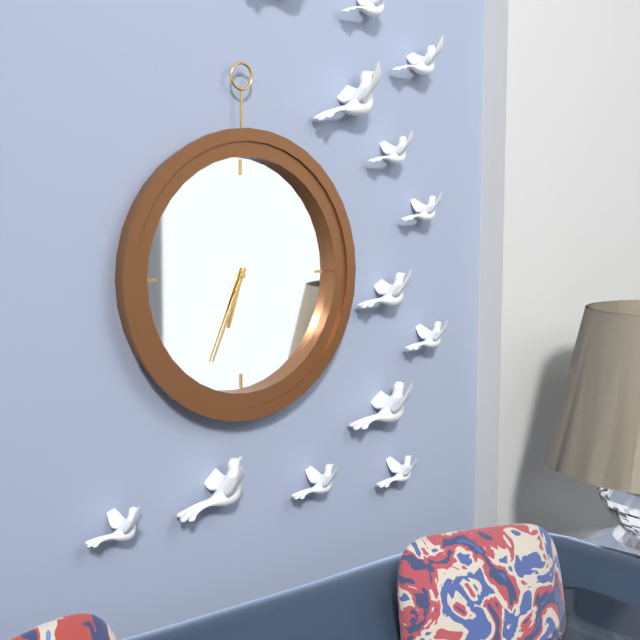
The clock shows 6.34
